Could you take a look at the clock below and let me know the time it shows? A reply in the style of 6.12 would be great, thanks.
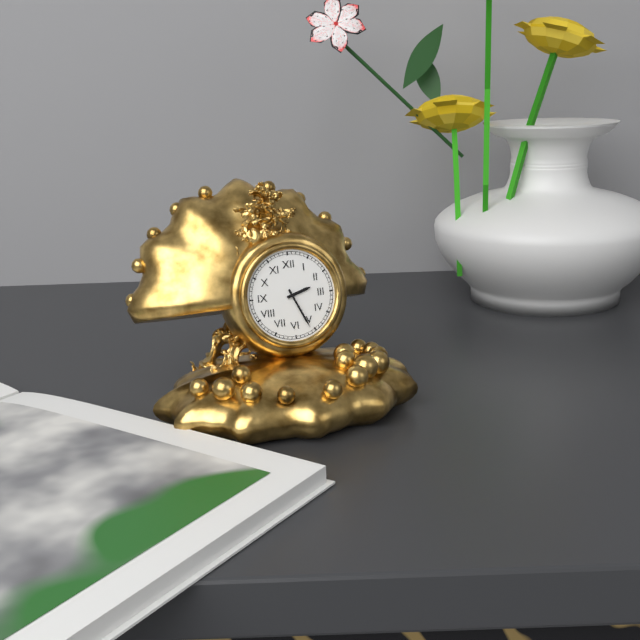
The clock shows 2.26
